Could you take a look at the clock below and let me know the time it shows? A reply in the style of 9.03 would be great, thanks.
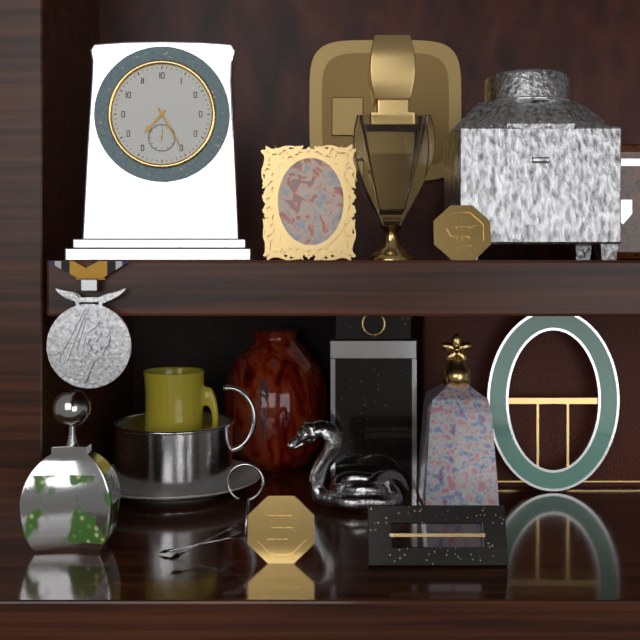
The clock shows 7.25
